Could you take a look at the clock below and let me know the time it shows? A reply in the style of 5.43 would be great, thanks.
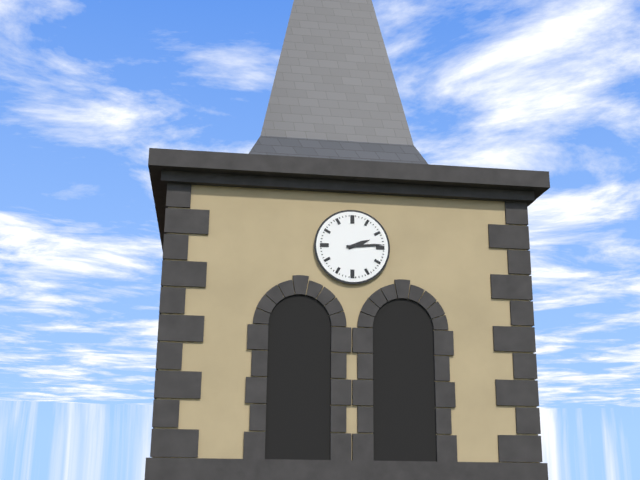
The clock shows 2.14
